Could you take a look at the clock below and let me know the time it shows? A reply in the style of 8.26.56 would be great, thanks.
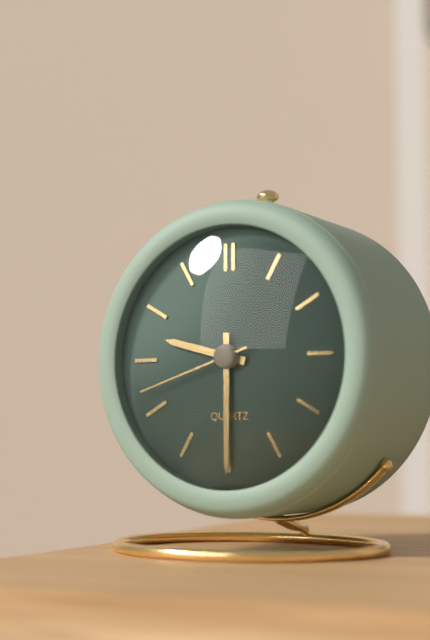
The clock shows 9.30.42
